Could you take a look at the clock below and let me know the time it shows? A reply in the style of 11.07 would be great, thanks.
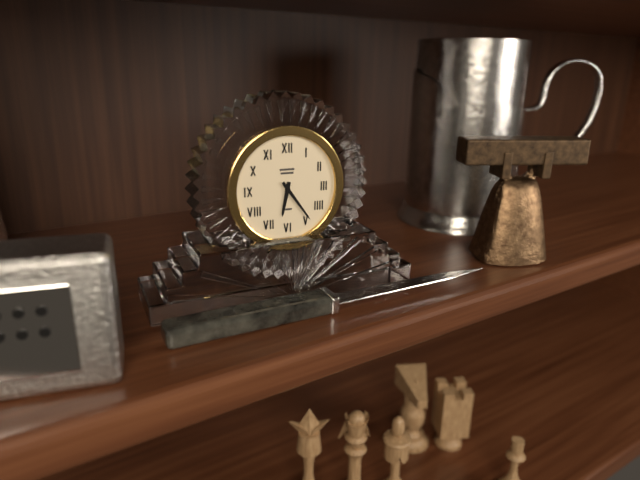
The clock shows 6.24
